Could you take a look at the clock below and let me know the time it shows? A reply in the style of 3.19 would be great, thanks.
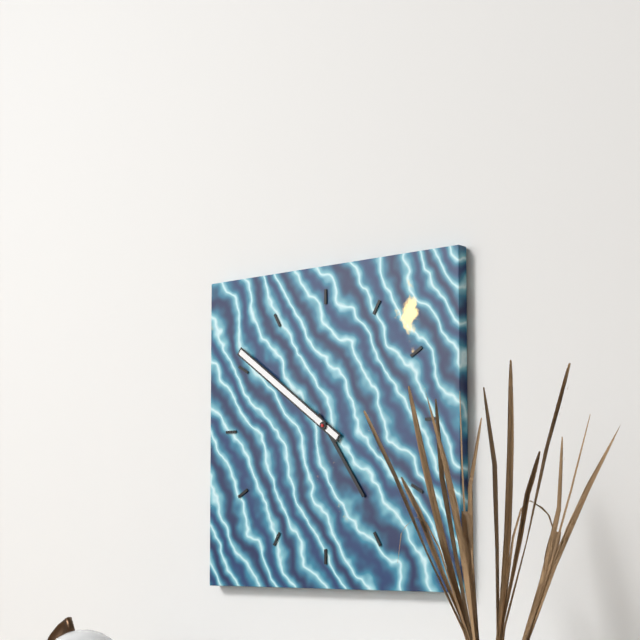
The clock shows 4.51
